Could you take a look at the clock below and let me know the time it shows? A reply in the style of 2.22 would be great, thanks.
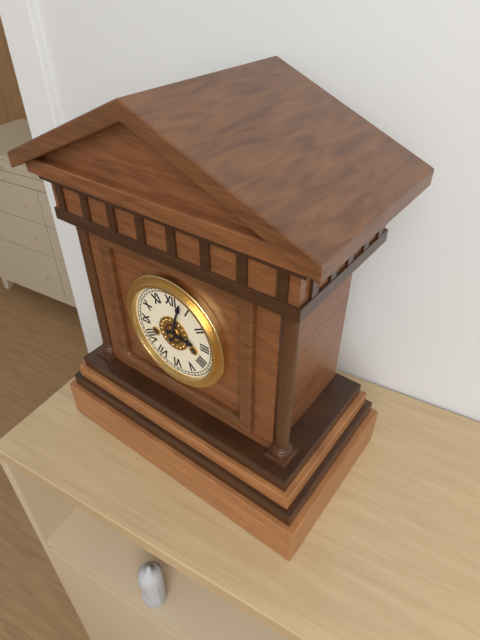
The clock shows 3.03
